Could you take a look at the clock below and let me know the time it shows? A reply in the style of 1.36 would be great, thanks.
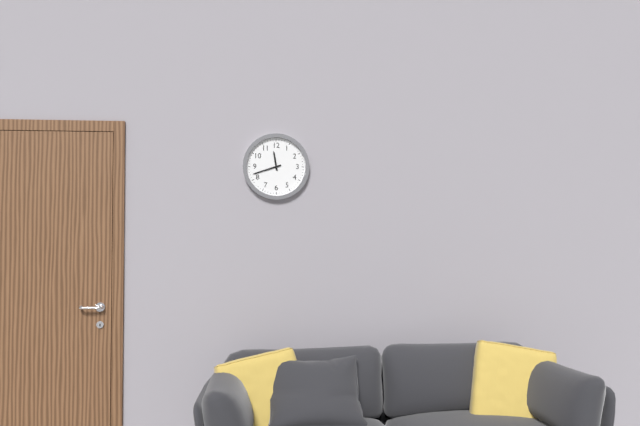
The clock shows 11.42
